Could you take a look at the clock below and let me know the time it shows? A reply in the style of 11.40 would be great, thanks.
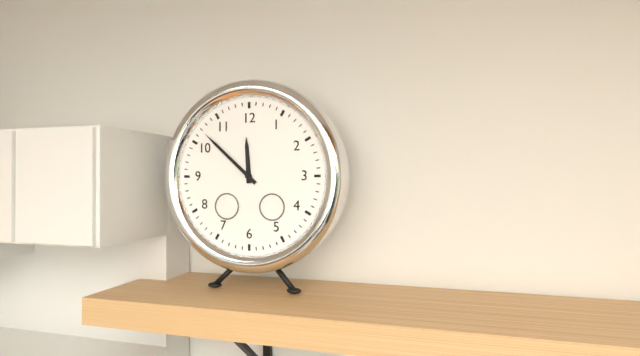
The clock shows 11.52
